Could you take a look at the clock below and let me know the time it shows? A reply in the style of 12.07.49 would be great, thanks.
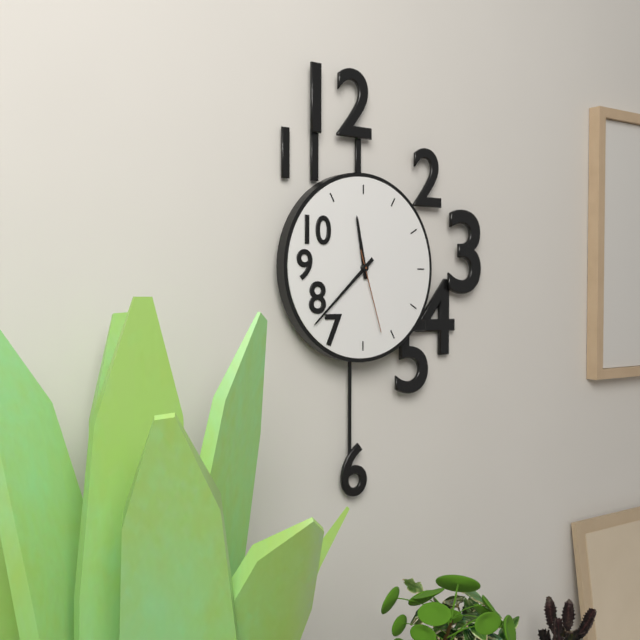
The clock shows 11.38.27
